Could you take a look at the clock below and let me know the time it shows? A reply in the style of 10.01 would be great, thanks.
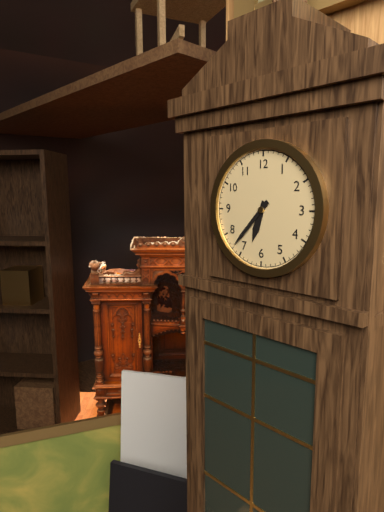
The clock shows 6.37
